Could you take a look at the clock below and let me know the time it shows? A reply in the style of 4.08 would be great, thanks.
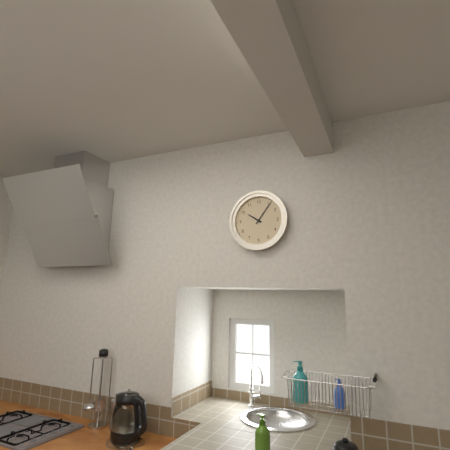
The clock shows 10.06
